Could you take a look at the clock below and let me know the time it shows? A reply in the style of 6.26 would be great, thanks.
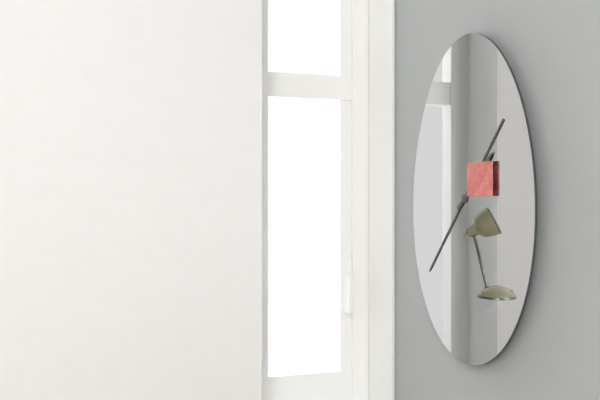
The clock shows 1.37
